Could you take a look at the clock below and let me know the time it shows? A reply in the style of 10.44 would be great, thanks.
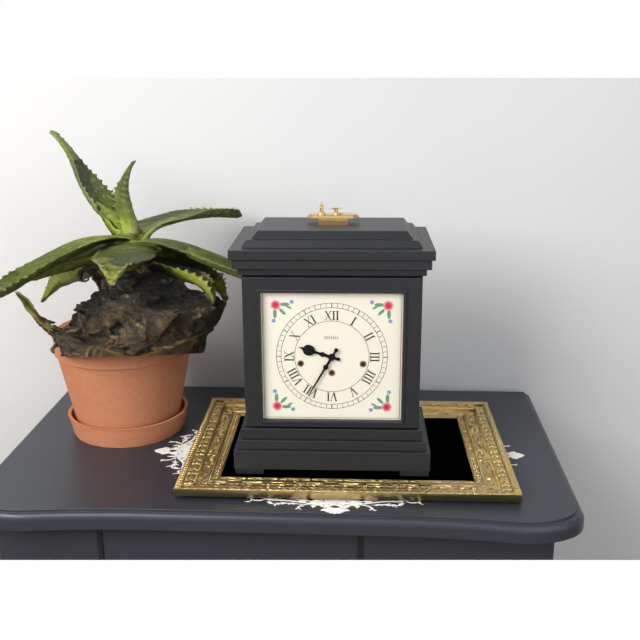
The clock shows 9.35
